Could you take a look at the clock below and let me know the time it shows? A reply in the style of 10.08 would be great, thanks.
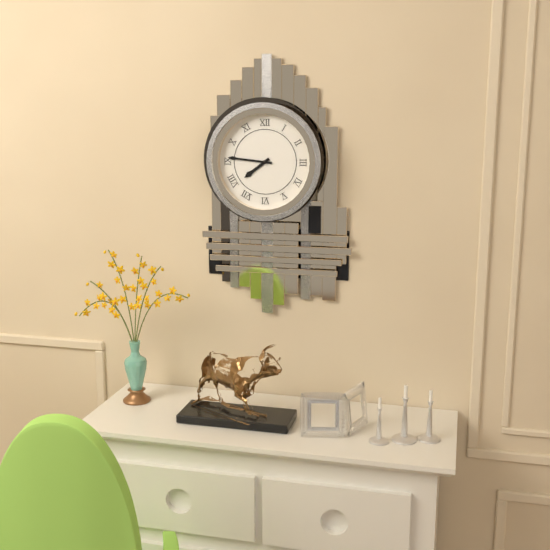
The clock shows 7.46
